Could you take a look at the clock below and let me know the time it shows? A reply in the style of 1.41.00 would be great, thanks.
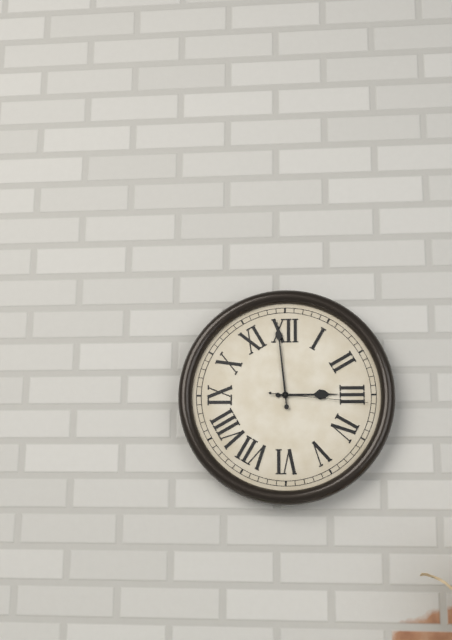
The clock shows 2.59.16
